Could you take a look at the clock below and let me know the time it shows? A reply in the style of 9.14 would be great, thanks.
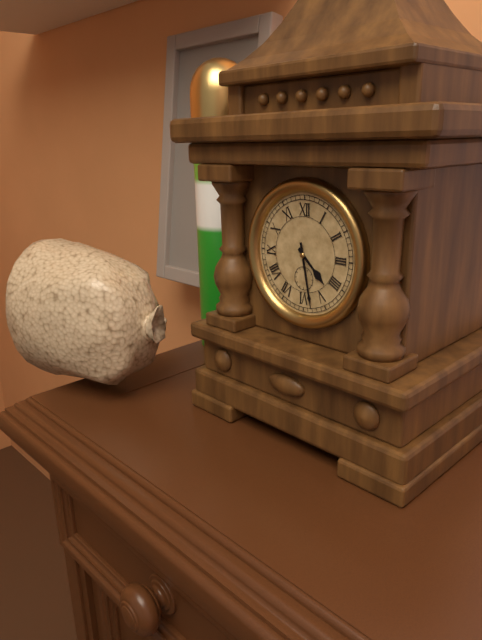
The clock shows 4.28
